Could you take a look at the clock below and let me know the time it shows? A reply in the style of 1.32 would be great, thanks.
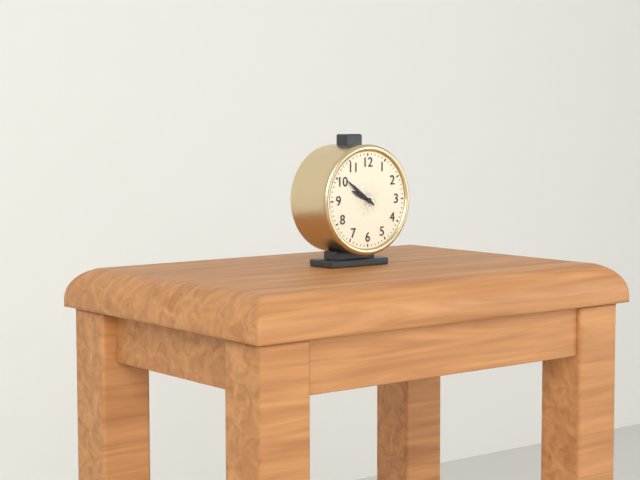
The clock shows 9.51
